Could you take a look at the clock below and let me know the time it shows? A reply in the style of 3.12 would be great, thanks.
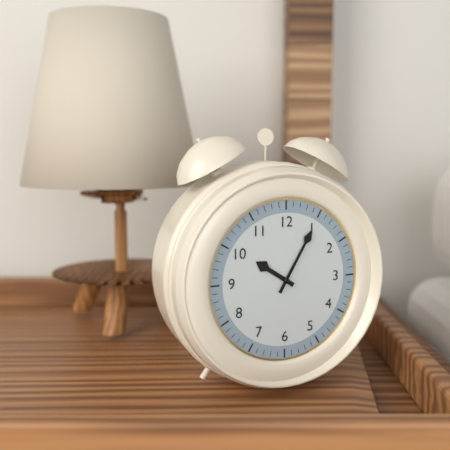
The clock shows 10.05
